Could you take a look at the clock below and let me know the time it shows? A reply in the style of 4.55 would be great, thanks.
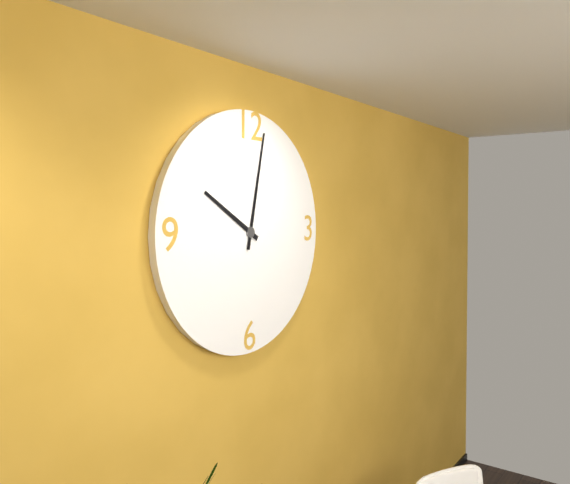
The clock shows 10.02
